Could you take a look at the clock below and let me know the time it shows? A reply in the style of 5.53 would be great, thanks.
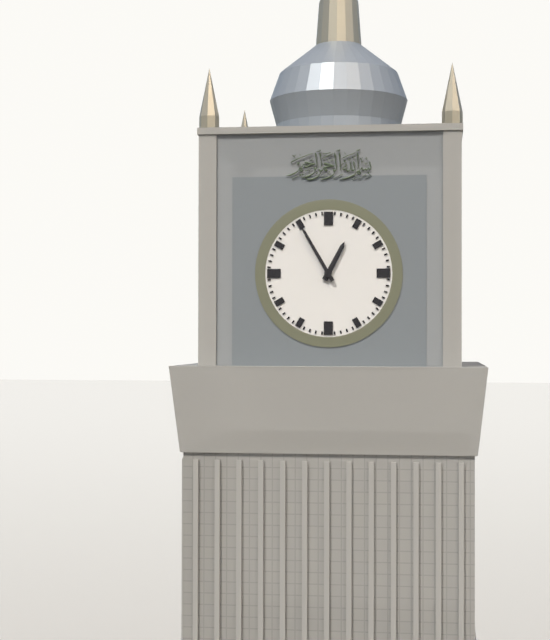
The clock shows 12.55
